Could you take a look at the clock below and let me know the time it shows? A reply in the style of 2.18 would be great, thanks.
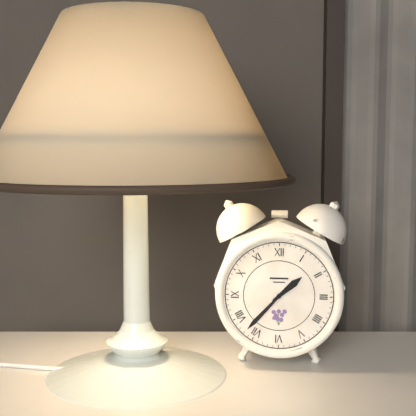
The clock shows 1.37
